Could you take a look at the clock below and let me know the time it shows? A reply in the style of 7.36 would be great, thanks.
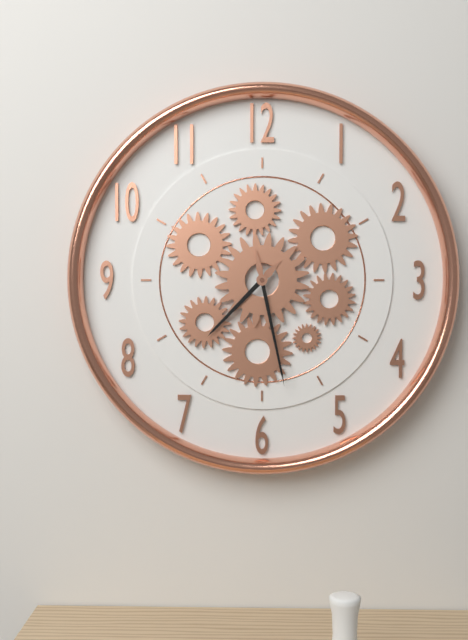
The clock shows 7.28
